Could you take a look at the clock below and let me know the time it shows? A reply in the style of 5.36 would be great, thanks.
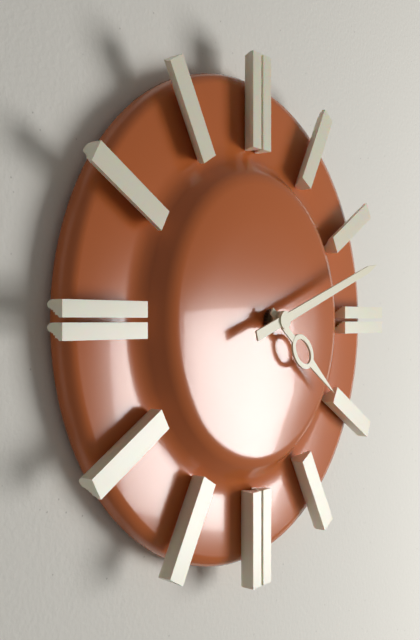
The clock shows 4.12
